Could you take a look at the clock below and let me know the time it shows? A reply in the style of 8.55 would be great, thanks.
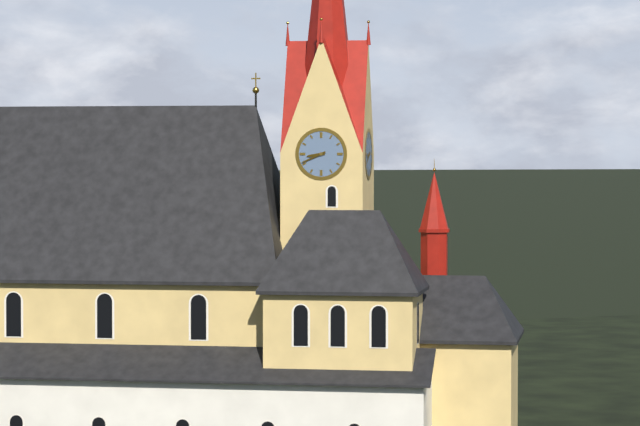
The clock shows 8.41
